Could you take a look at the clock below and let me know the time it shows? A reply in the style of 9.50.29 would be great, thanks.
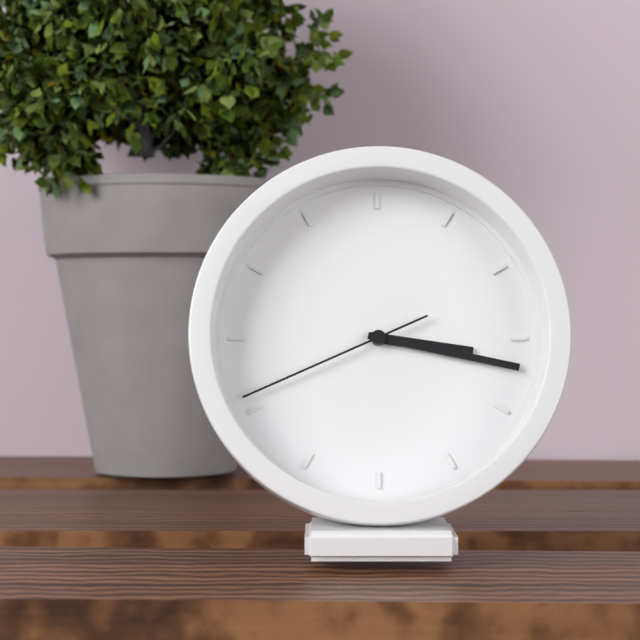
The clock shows 3.17.41
